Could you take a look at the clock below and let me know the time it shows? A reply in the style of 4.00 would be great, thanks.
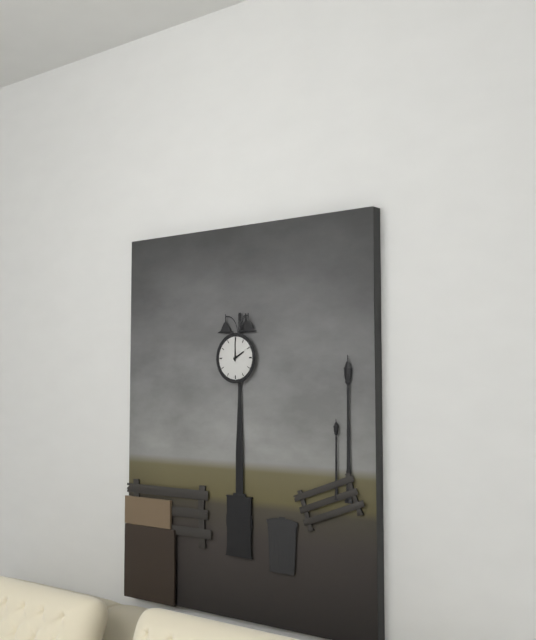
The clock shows 2.00
